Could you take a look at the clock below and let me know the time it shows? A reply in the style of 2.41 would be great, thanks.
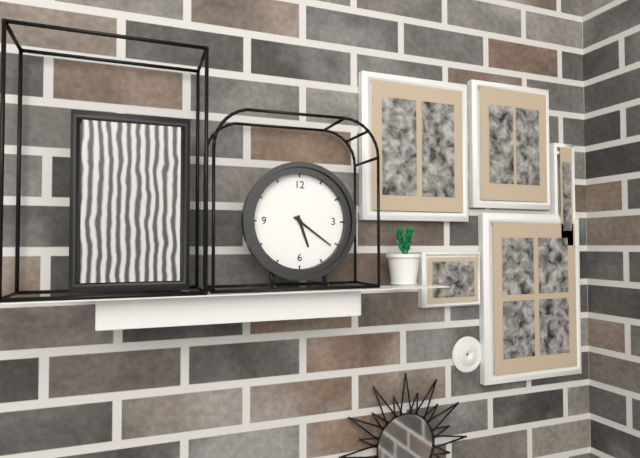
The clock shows 5.21
